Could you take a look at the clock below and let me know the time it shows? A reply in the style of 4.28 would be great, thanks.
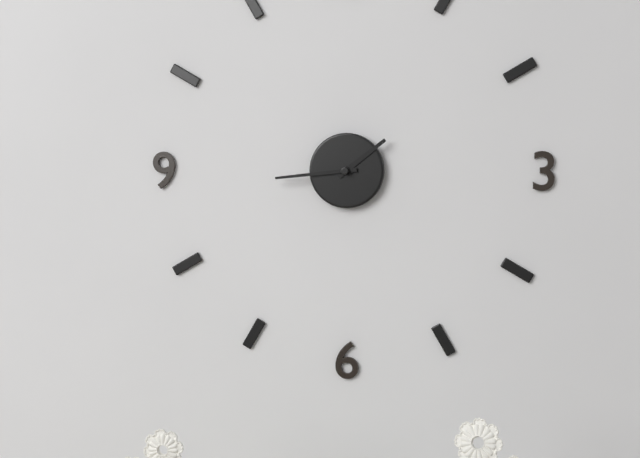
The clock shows 1.44
